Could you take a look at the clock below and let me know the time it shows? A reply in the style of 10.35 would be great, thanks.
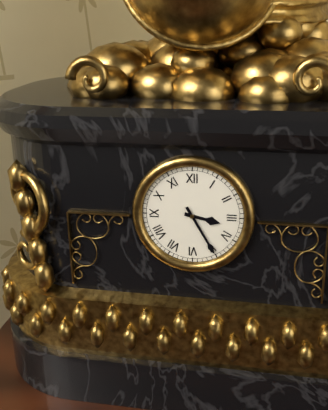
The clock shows 3.25
